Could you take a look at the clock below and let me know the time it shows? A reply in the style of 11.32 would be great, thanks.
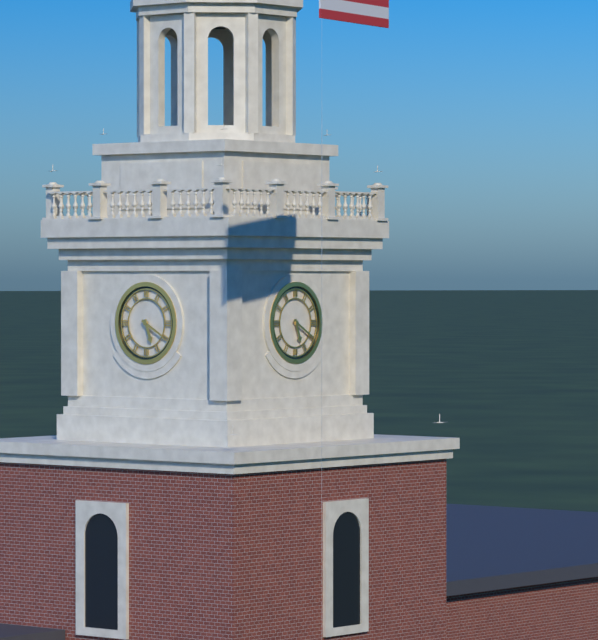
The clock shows 5.20
